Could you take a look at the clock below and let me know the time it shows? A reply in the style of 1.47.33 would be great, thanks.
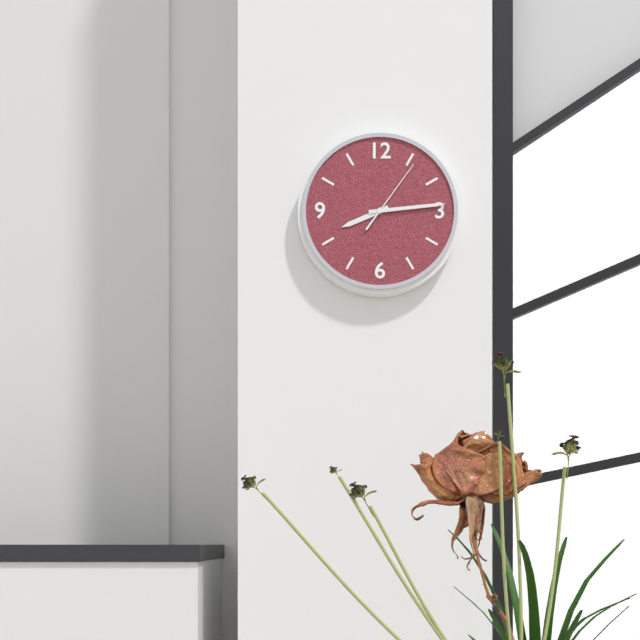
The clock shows 8.14.06
